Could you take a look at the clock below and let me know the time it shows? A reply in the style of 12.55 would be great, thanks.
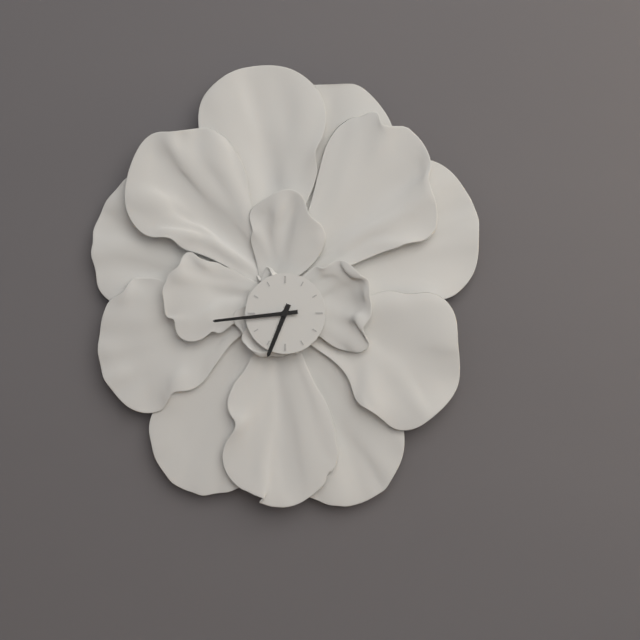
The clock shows 6.44
